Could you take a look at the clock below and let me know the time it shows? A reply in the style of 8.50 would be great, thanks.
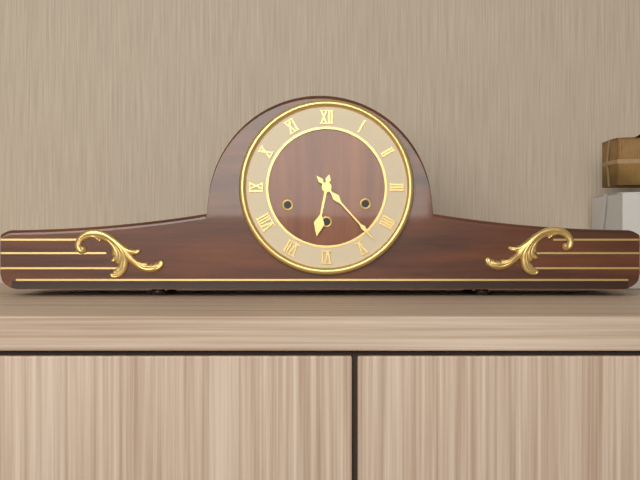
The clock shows 6.23
